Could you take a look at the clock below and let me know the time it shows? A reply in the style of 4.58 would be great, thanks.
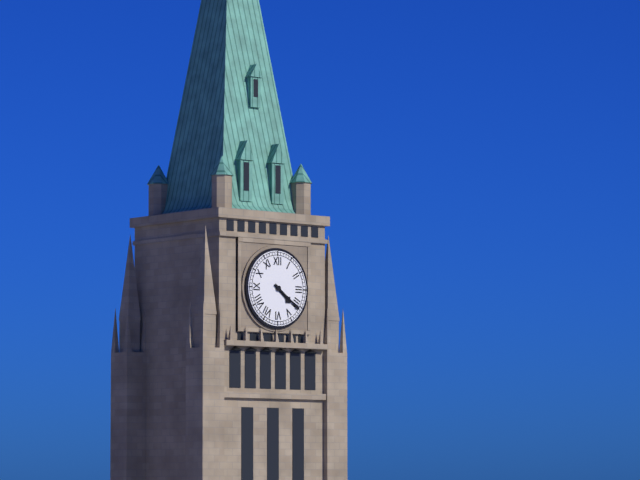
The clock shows 4.21
